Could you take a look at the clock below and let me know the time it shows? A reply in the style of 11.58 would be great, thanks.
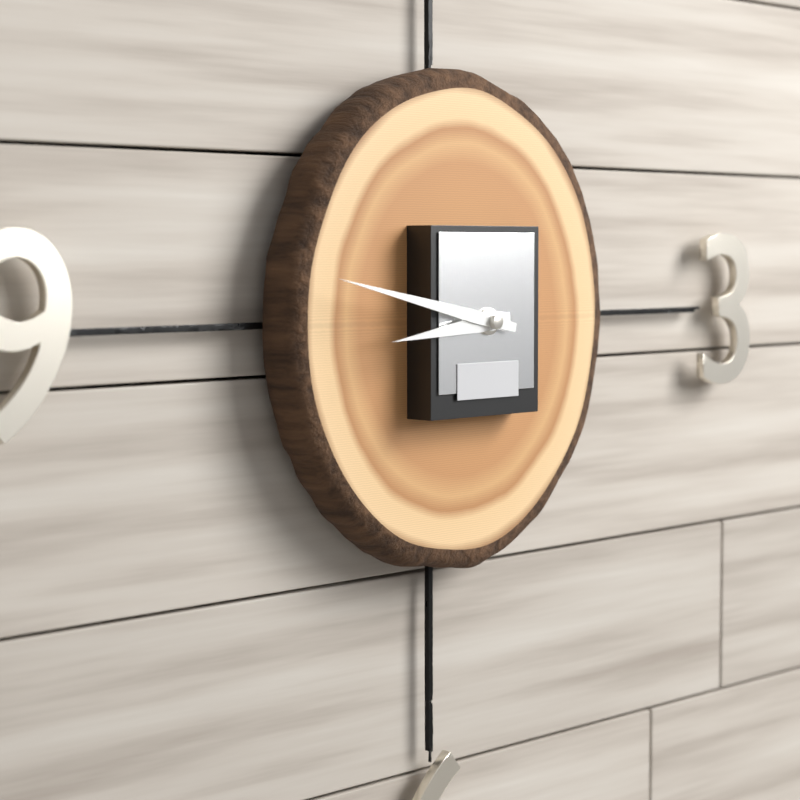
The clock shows 8.47
